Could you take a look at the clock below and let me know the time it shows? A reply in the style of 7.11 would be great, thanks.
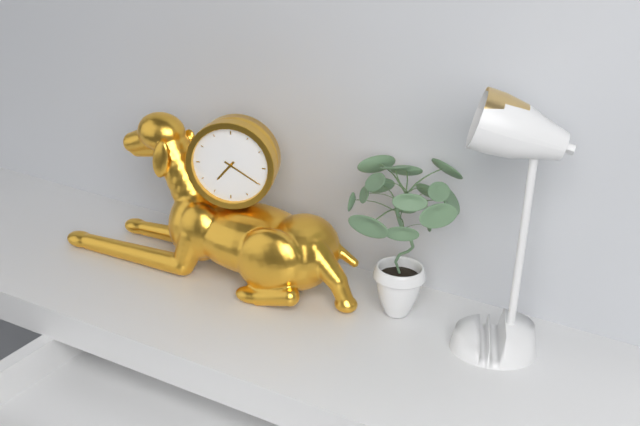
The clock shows 7.20
